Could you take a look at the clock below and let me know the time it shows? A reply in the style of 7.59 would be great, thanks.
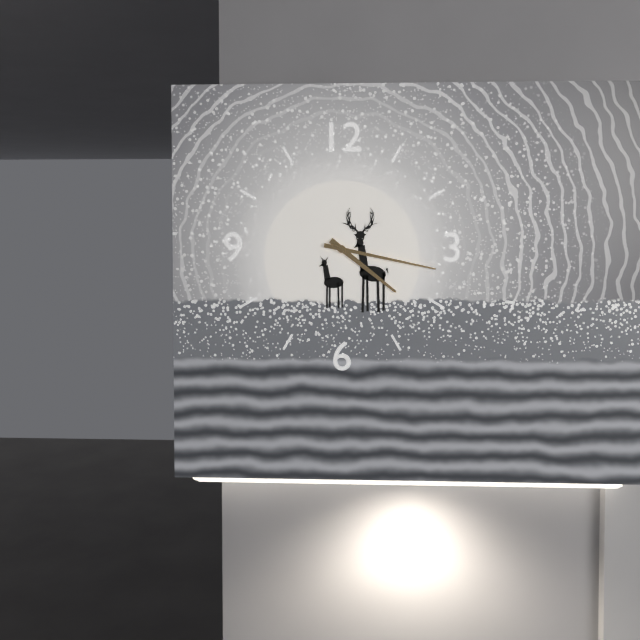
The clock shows 4.17
